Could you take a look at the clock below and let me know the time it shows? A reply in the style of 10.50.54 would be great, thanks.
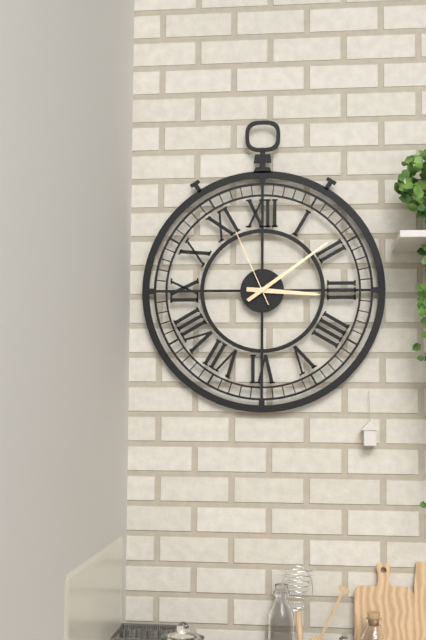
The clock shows 3.09.56
